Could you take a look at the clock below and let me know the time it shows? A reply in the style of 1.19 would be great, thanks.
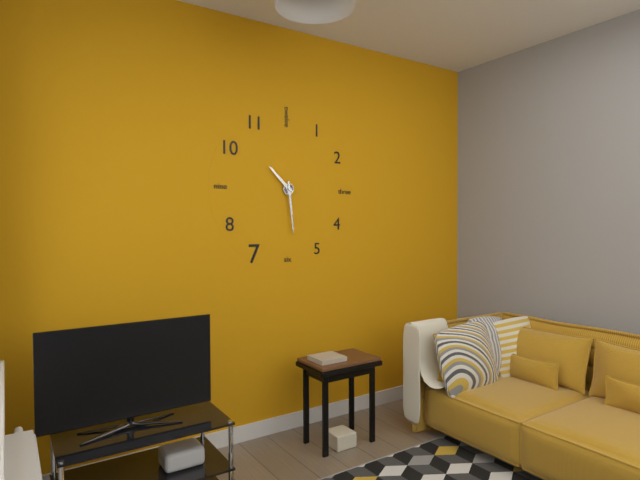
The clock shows 10.29
